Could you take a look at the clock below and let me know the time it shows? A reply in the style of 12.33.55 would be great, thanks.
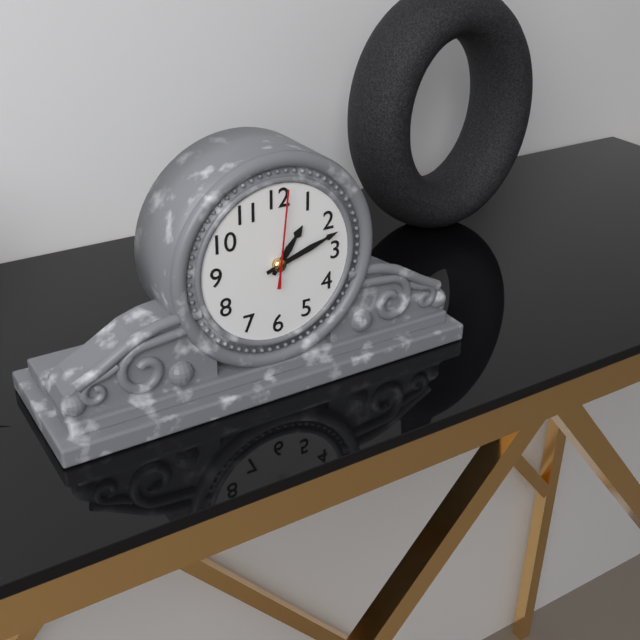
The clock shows 1.12.01
